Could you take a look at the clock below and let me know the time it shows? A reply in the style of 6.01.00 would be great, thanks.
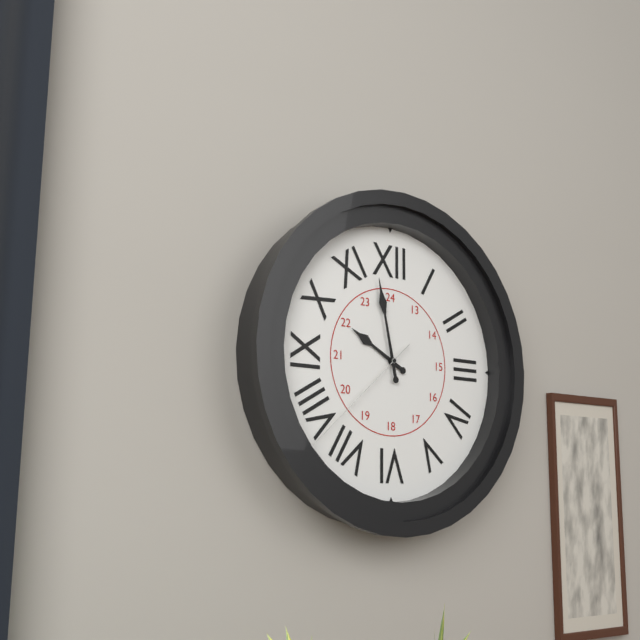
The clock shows 9.58.38
